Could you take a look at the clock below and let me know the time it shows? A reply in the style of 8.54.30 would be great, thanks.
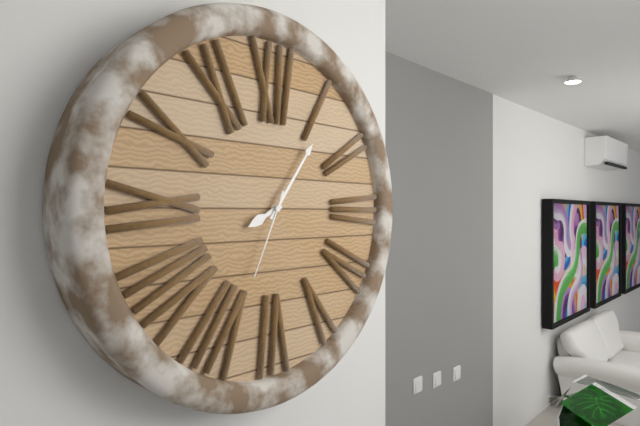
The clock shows 8.06.34
